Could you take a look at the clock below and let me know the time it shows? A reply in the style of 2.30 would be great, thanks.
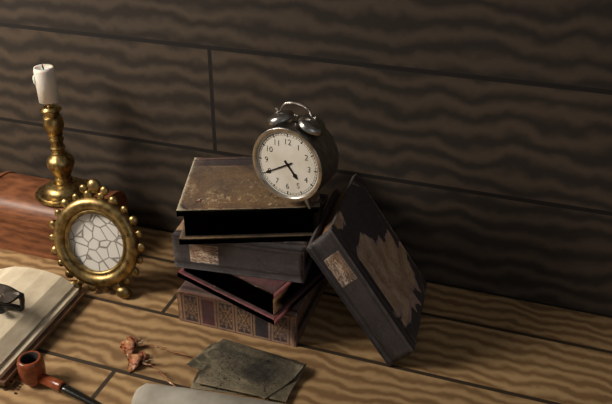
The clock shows 4.40
